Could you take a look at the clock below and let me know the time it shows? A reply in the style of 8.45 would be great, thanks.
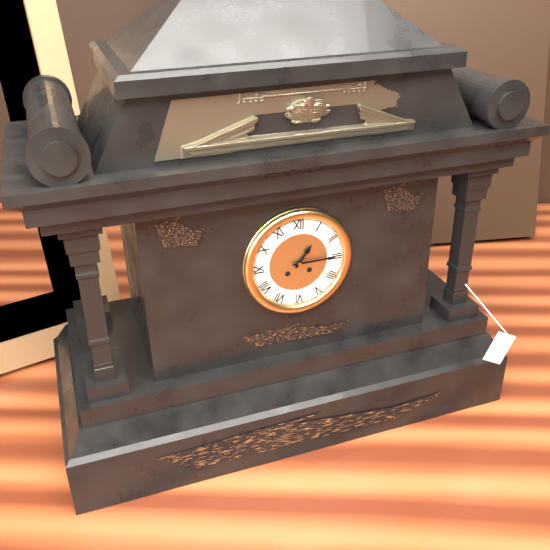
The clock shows 1.15
